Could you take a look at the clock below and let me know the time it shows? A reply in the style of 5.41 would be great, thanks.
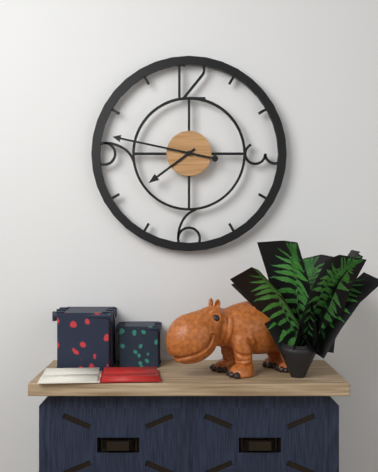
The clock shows 7.47
